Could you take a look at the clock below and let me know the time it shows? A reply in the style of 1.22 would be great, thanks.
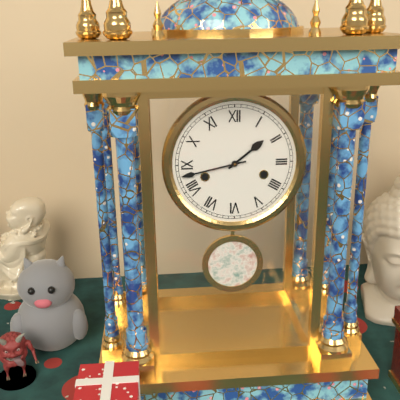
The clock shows 1.43
